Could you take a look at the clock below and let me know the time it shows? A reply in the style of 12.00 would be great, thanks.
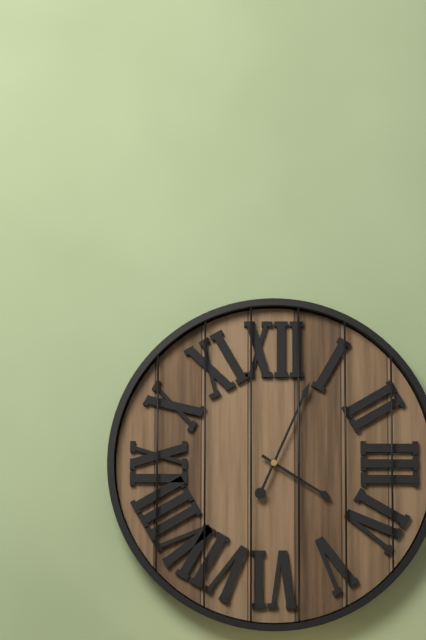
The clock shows 4.04
